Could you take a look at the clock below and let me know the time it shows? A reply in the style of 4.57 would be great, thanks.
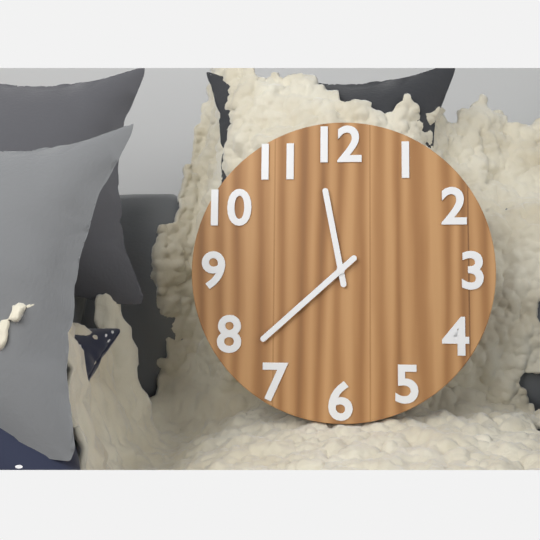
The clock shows 11.38
